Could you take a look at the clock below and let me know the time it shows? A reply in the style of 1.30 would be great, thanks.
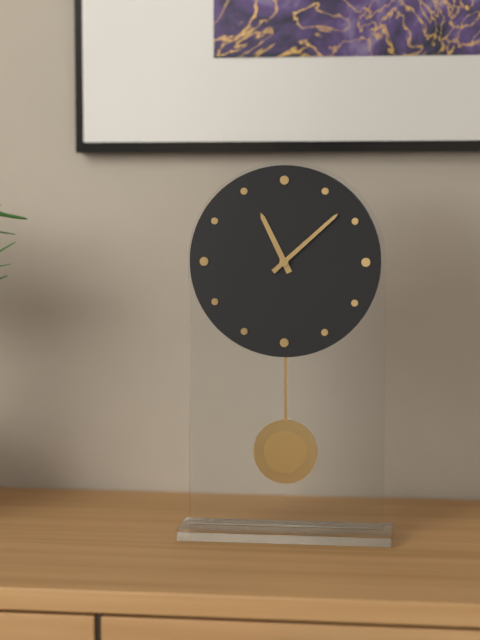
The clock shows 11.08
